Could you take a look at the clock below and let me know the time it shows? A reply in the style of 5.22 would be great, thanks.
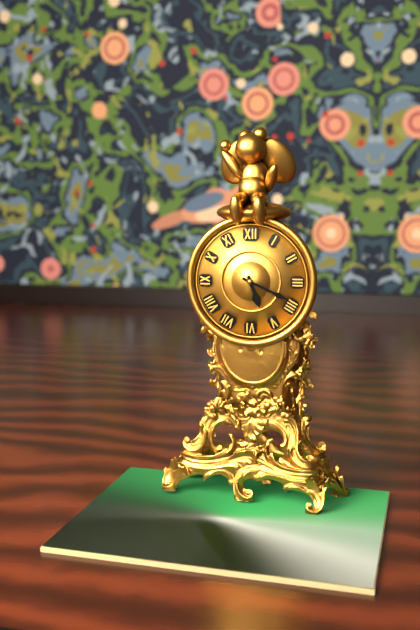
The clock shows 5.19
